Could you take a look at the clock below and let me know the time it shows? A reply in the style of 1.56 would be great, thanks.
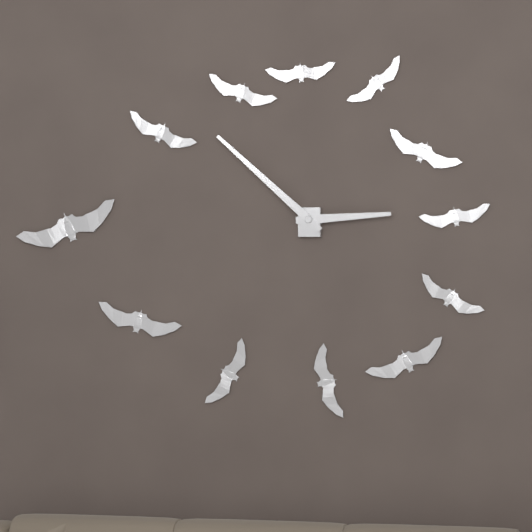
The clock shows 2.52
